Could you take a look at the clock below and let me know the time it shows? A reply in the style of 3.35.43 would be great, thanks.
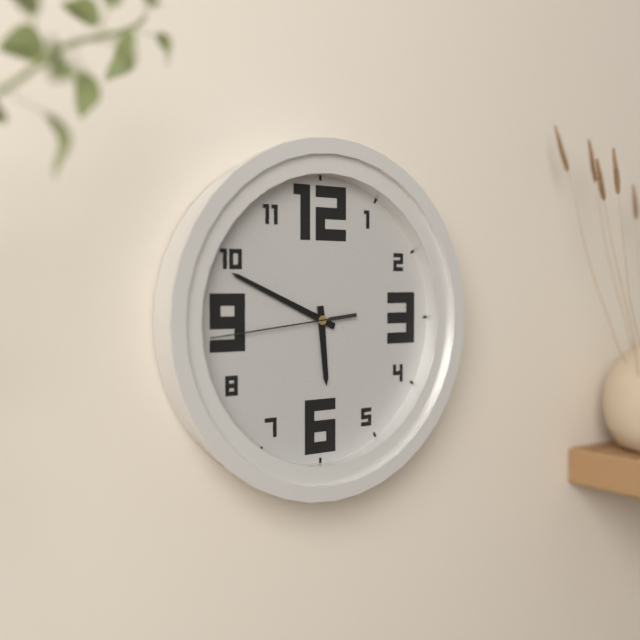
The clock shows 5.49.44
